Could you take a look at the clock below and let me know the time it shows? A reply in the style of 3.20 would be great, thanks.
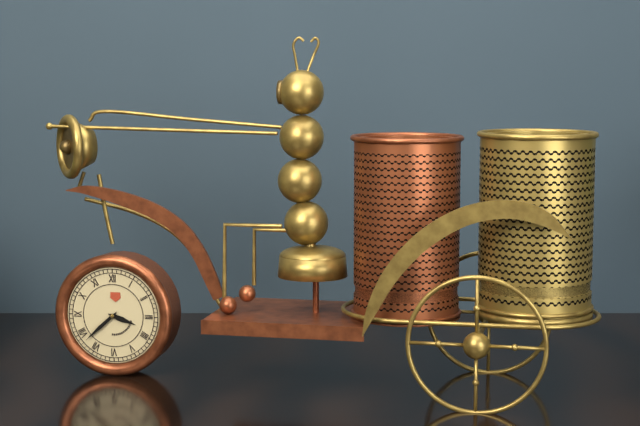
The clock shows 3.38
